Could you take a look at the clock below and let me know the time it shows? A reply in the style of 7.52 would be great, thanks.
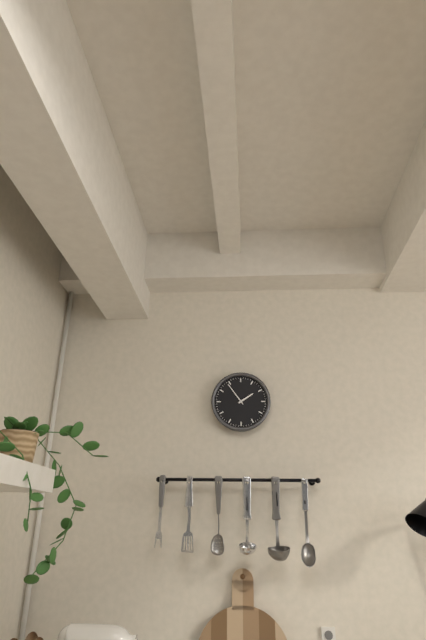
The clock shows 1.54
